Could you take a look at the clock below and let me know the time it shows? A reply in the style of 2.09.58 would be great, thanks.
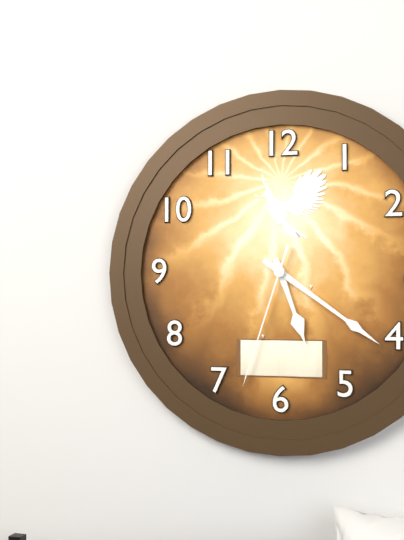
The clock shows 5.21.33
